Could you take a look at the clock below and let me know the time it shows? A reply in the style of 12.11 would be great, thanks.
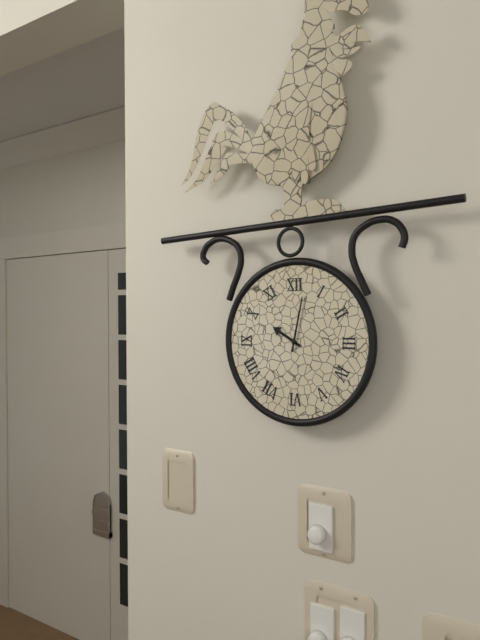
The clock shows 10.02
